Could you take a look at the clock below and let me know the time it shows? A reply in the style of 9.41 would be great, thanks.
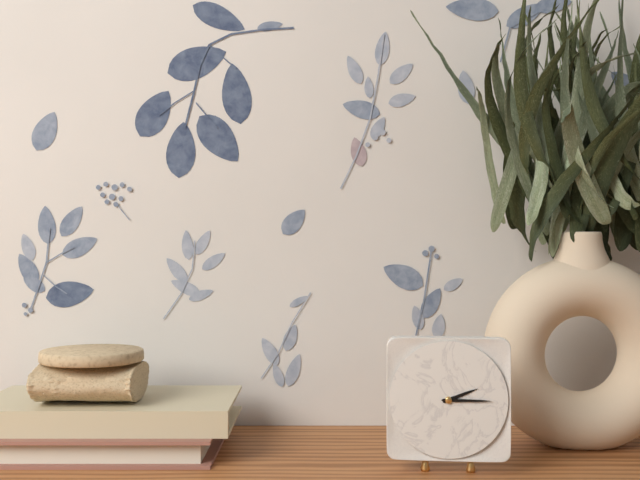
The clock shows 2.15
